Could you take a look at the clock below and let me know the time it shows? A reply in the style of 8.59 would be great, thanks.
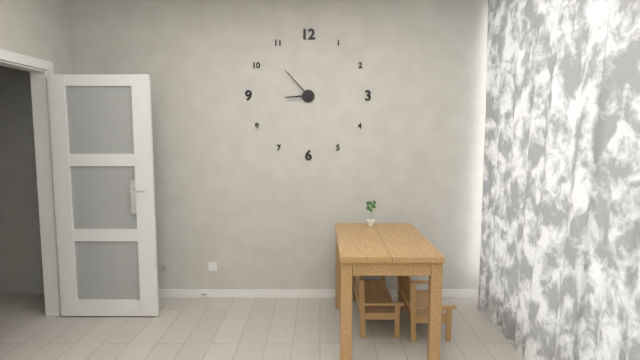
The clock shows 8.53
